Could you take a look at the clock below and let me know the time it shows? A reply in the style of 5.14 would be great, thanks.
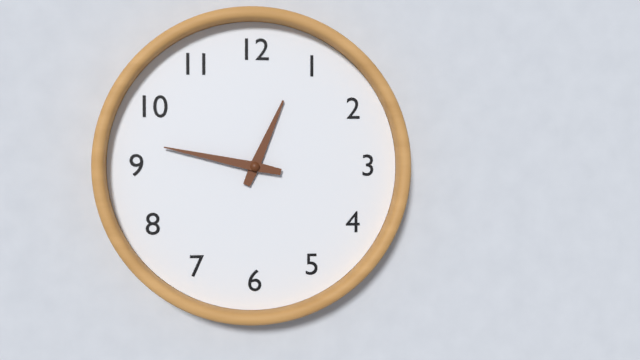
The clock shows 12.47
